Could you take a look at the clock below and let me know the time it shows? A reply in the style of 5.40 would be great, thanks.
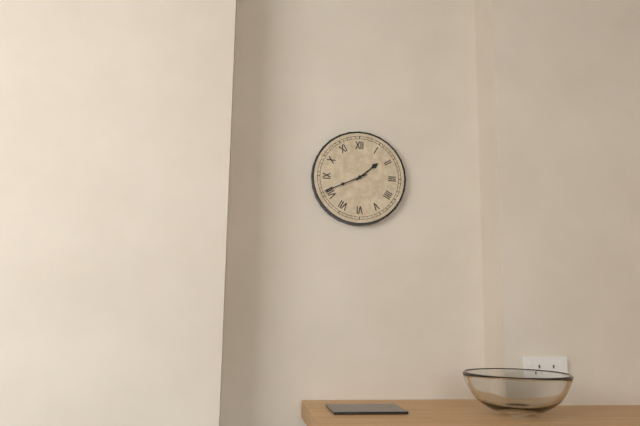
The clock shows 1.41
